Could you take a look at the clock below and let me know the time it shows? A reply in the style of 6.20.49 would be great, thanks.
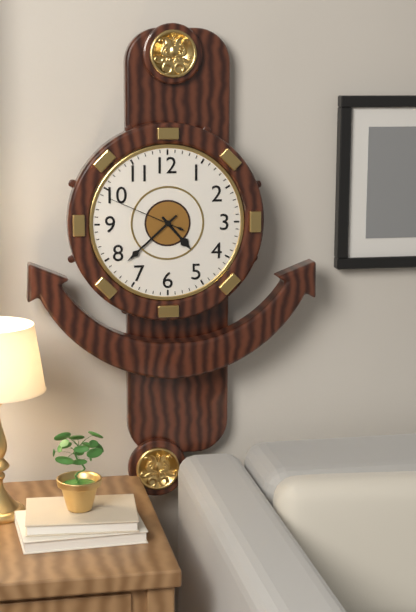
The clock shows 4.38.49
